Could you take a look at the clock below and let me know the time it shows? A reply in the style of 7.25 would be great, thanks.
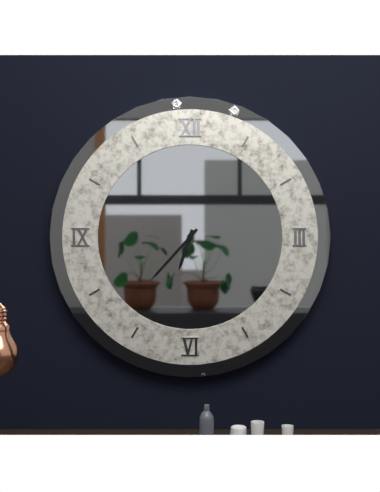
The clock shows 6.37
